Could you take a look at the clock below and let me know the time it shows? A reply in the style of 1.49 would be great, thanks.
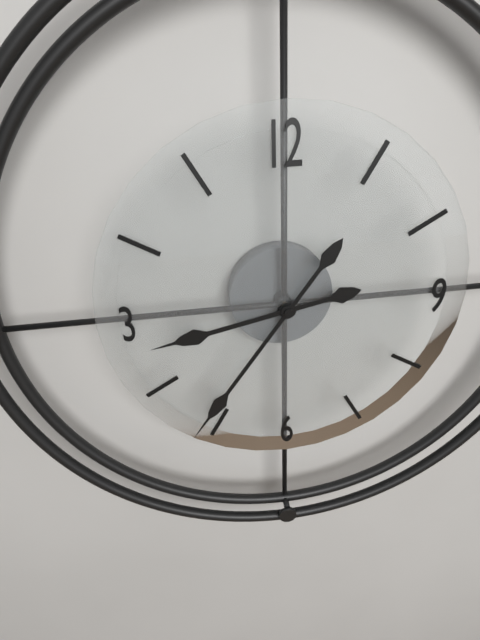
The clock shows 8.36
